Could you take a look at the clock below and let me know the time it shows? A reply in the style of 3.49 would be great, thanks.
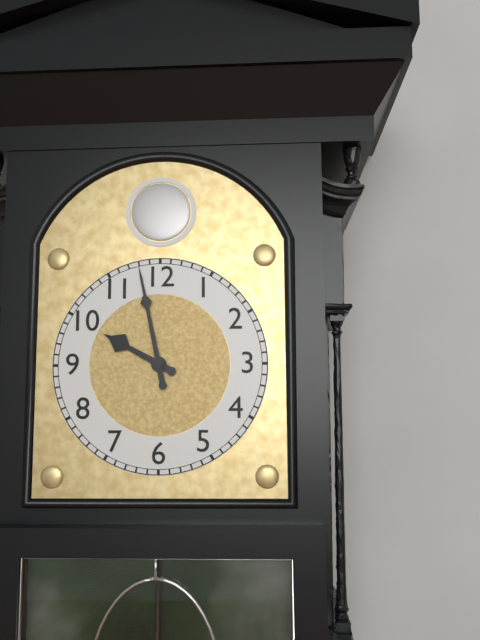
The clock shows 9.58
